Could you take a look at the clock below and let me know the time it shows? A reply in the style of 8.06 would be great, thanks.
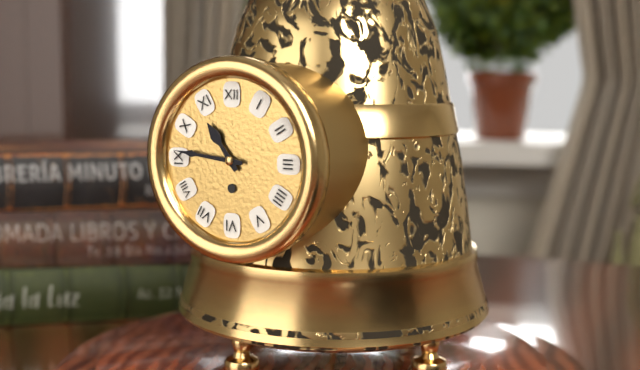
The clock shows 10.46
